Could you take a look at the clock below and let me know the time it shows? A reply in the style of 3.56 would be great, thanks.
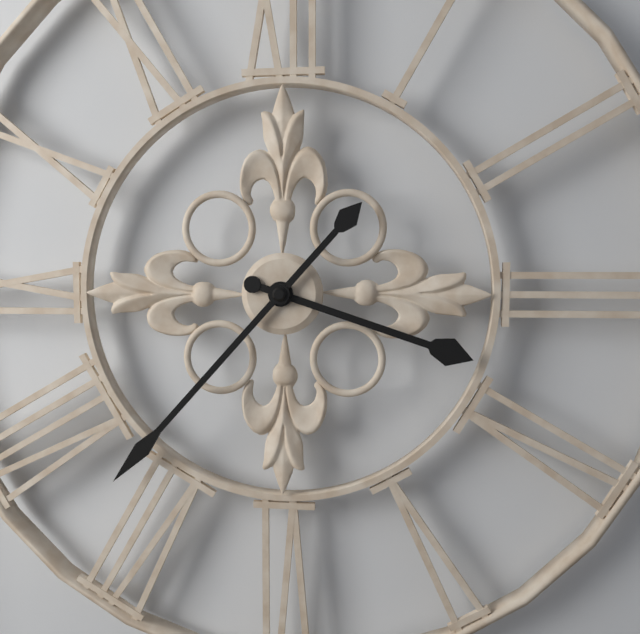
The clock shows 3.37
